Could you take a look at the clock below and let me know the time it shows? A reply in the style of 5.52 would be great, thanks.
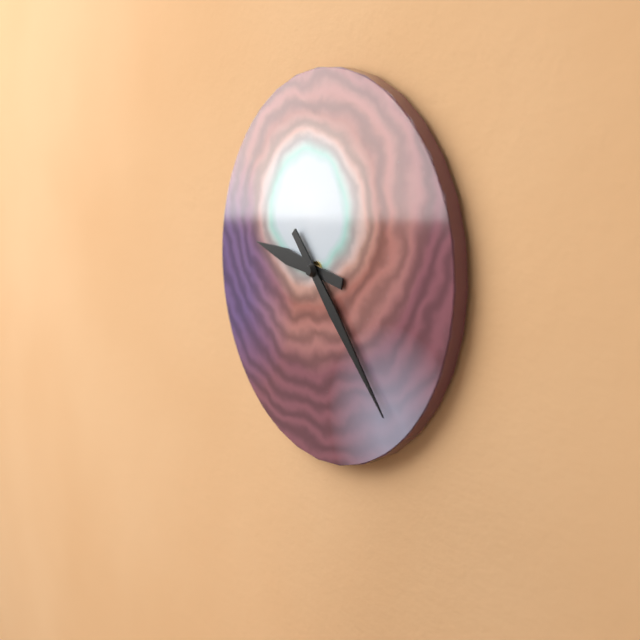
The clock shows 9.23
